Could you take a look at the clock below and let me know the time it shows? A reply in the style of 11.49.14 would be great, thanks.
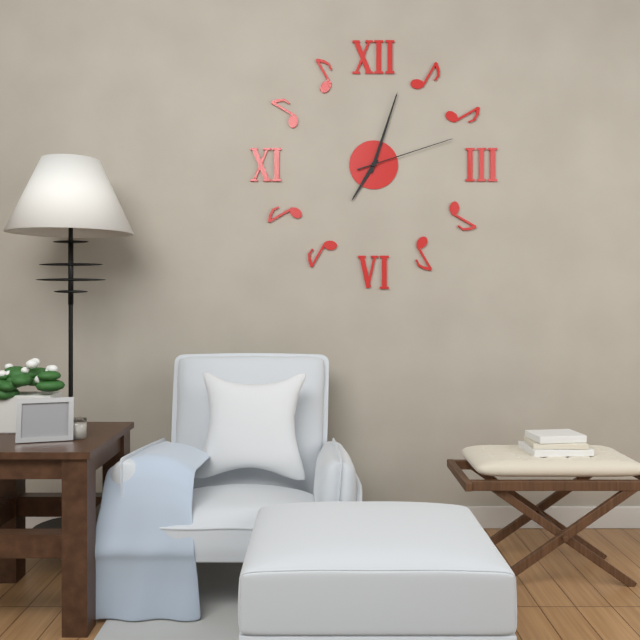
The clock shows 7.03.12
